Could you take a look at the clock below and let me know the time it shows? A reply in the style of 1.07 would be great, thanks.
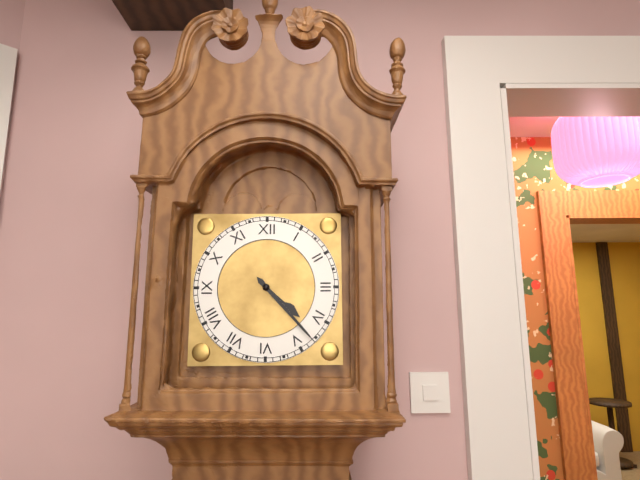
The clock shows 4.23
